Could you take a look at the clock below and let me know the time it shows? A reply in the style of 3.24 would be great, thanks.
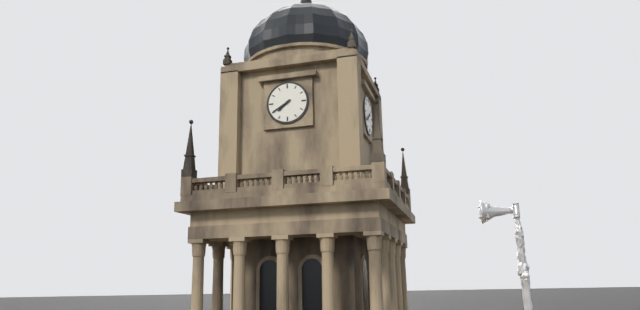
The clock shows 7.40
